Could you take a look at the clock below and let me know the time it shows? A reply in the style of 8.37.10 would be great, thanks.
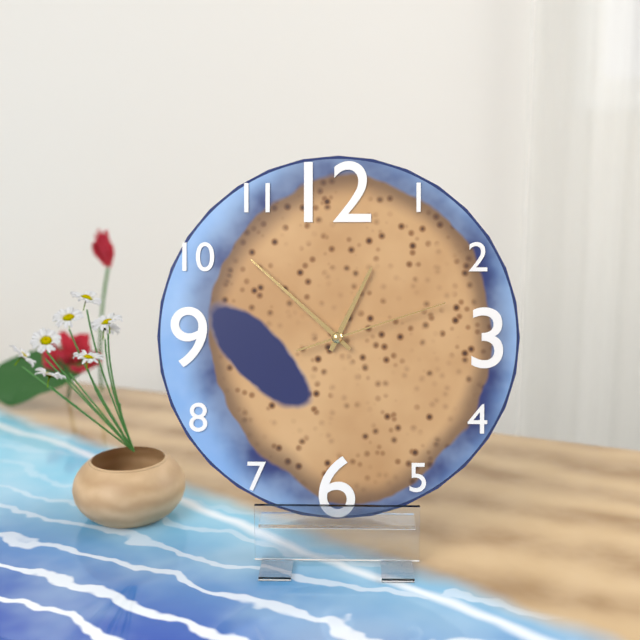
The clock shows 12.52.12
